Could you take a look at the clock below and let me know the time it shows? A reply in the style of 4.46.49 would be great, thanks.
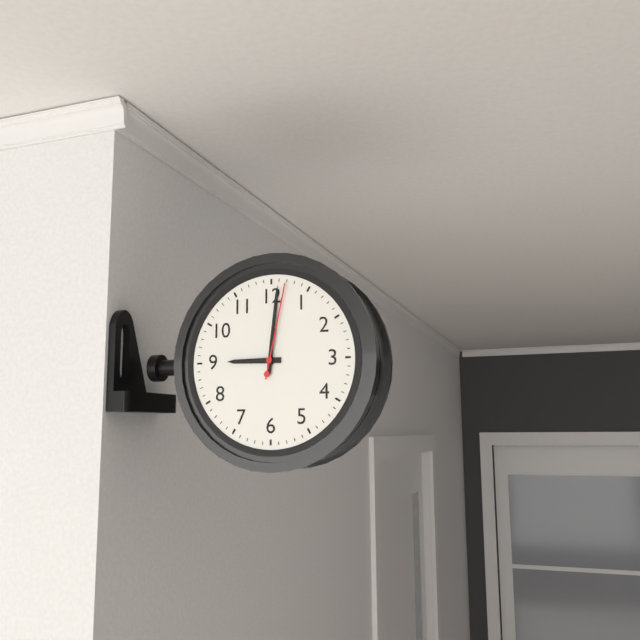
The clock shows 9.01.02
